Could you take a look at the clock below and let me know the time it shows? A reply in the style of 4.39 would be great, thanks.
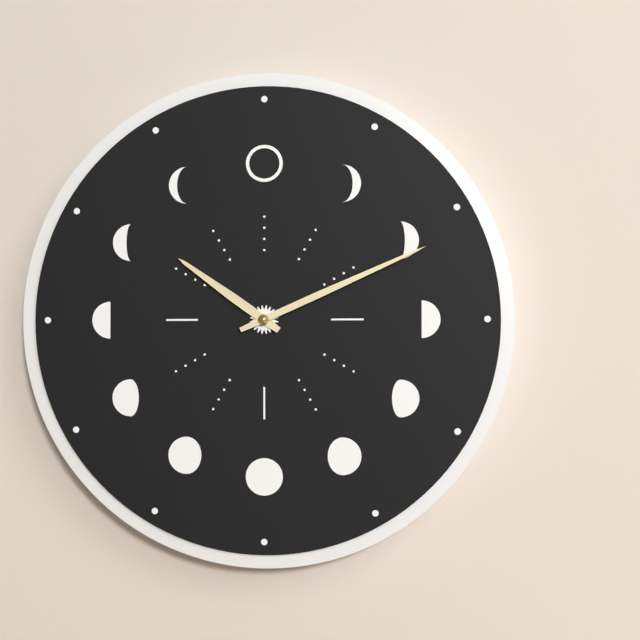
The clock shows 10.11
